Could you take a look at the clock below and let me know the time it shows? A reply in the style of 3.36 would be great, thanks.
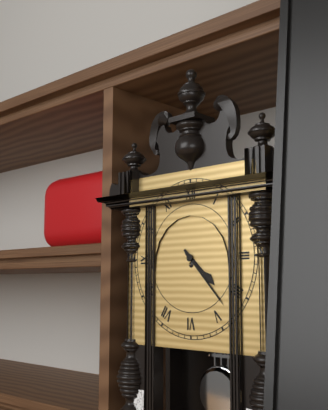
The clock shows 4.23
